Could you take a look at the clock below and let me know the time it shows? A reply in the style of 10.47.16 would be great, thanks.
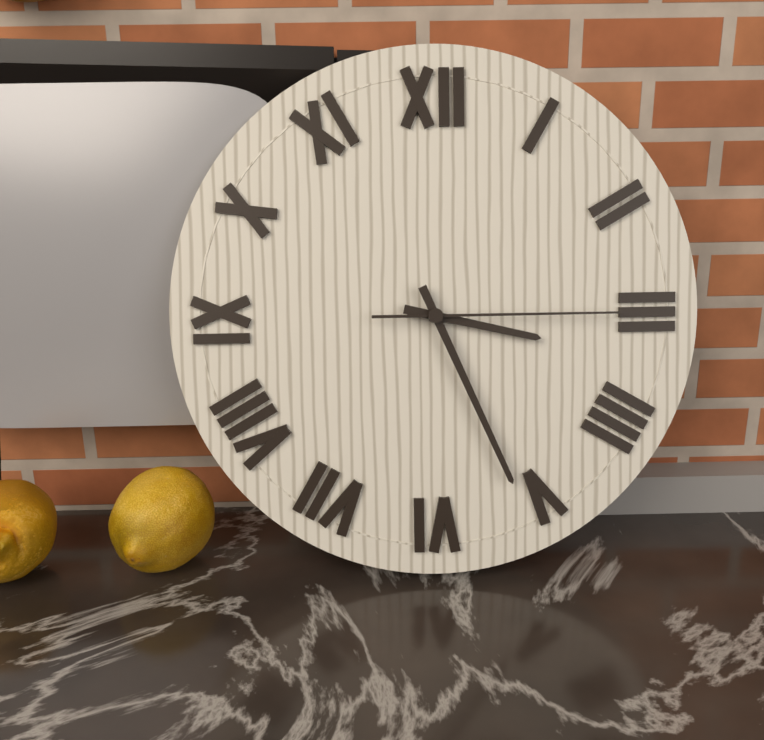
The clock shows 3.26.15
